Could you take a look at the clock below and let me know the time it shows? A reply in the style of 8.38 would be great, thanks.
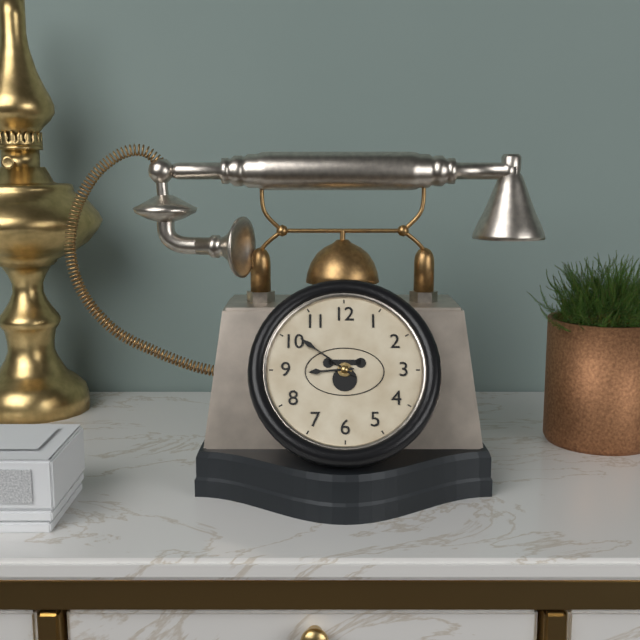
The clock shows 8.51
